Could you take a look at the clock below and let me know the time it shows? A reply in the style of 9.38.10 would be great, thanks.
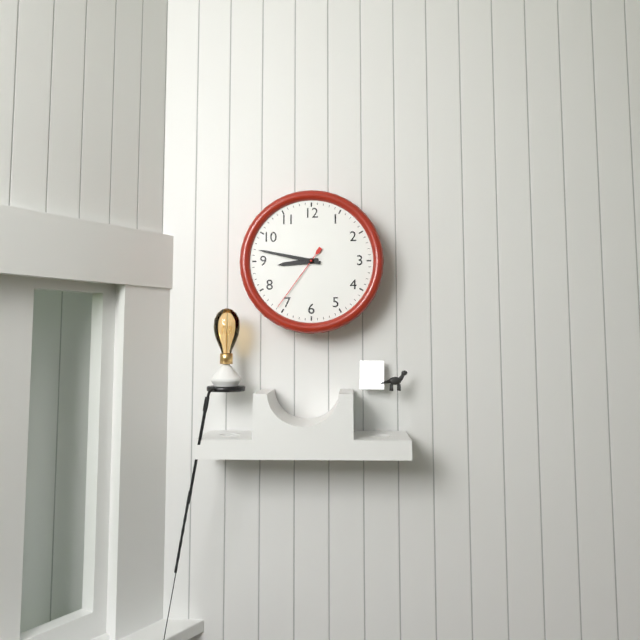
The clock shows 8.47.36
